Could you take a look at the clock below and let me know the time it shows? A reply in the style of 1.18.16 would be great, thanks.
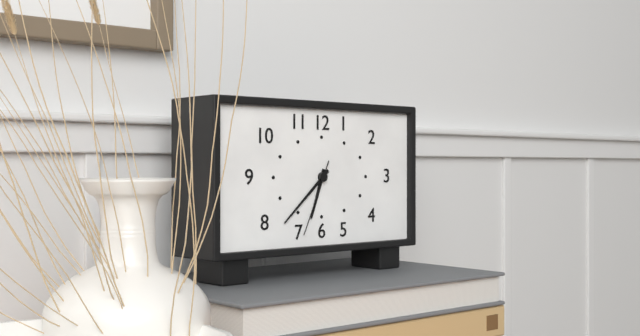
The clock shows 6.38.34
